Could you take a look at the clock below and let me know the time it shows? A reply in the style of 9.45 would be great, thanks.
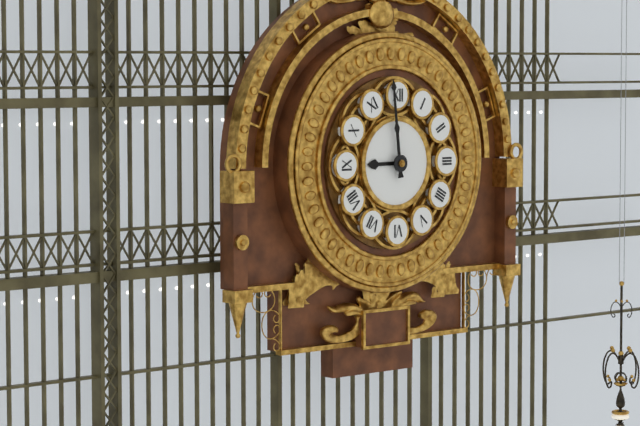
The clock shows 8.59
